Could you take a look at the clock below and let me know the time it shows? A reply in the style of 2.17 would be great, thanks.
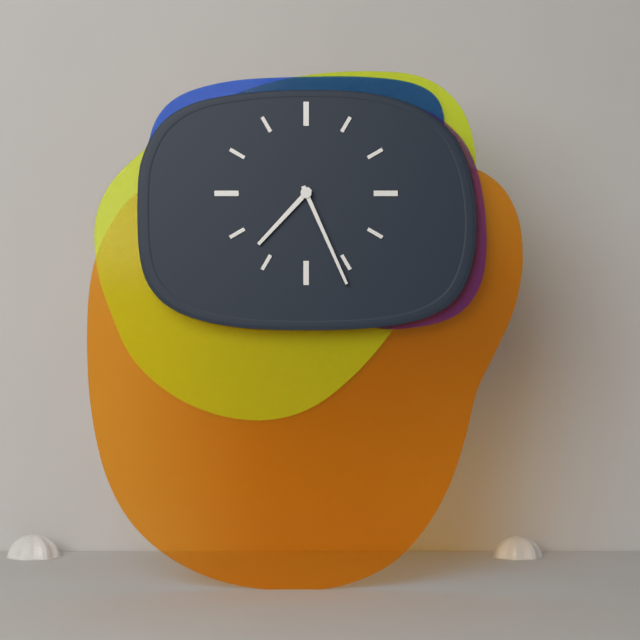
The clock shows 7.26
